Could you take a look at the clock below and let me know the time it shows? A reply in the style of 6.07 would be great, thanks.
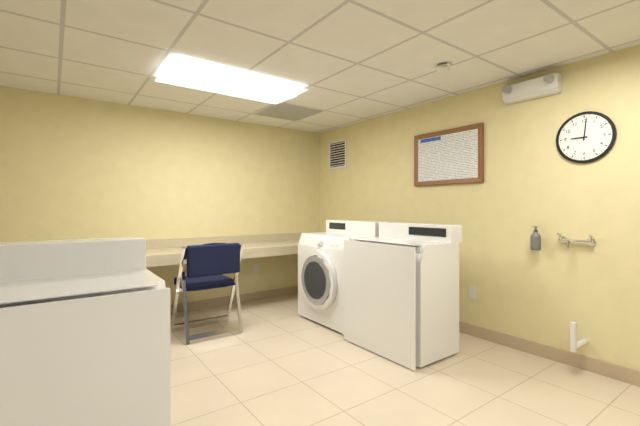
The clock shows 9.01
